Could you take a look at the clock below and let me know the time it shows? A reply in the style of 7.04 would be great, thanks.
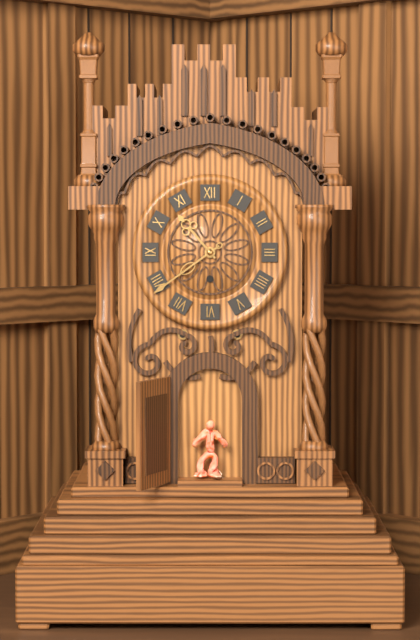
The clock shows 10.39
